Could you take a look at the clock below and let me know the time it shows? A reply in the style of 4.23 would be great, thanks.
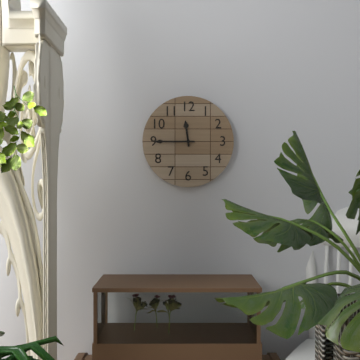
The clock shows 11.45
